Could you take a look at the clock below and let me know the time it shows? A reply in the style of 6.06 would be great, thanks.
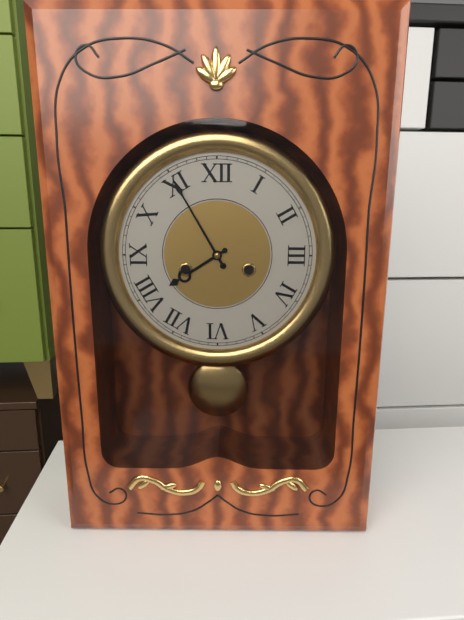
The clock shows 7.55
